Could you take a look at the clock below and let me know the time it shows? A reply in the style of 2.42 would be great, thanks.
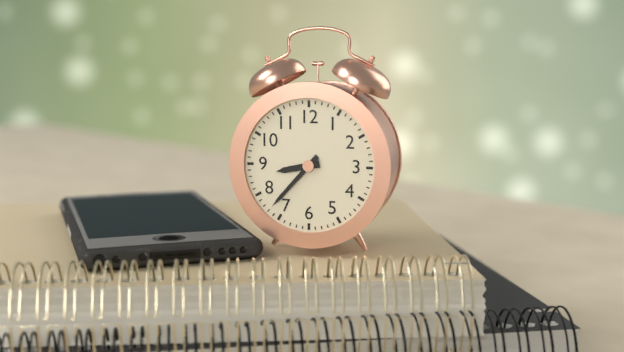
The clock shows 8.37
